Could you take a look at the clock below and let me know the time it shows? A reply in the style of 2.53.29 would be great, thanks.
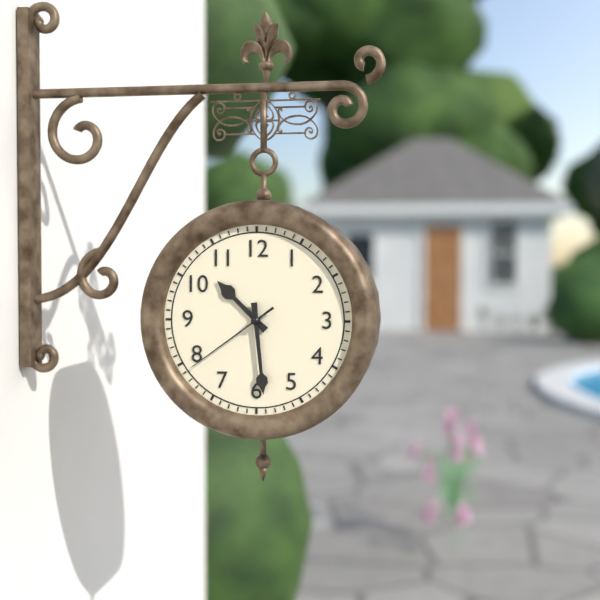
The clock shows 10.29.39
